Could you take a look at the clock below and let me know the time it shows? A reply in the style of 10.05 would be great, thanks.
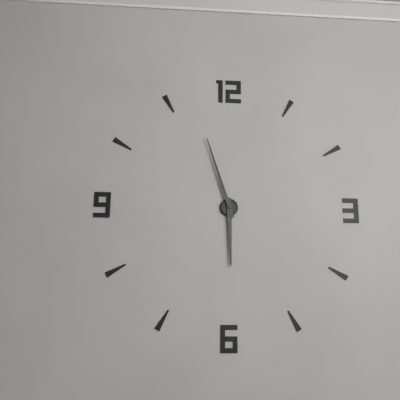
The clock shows 5.57
